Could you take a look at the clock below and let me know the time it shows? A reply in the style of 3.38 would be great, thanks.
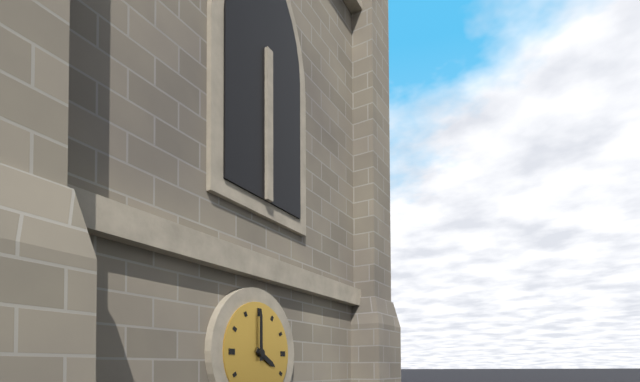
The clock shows 4.00
